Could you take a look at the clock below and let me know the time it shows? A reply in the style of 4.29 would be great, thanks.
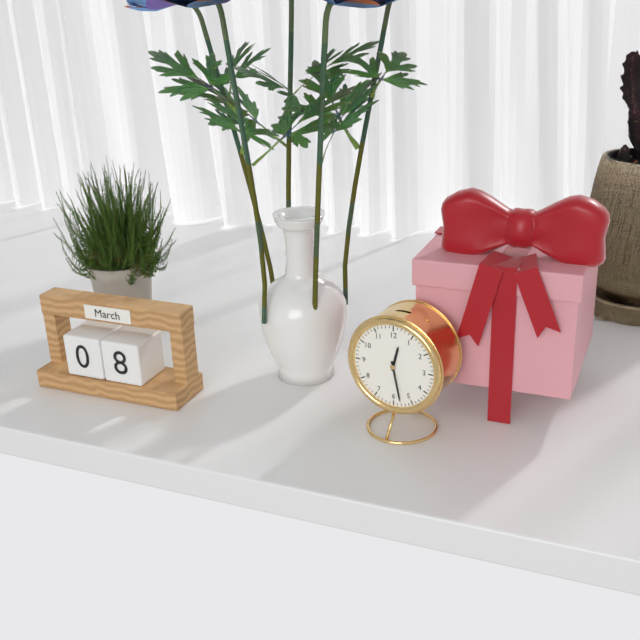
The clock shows 12.28
